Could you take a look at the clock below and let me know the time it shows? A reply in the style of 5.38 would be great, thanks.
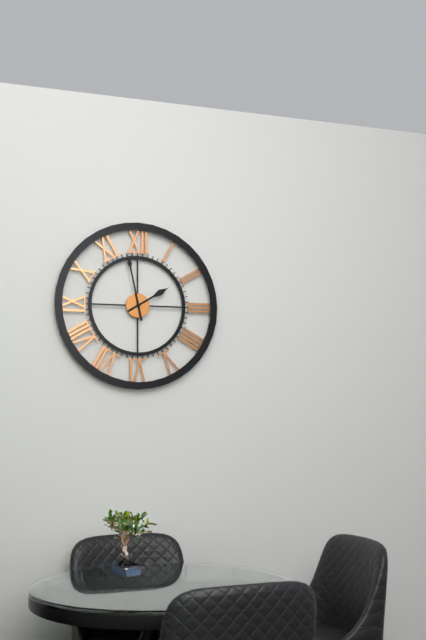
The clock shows 1.58
